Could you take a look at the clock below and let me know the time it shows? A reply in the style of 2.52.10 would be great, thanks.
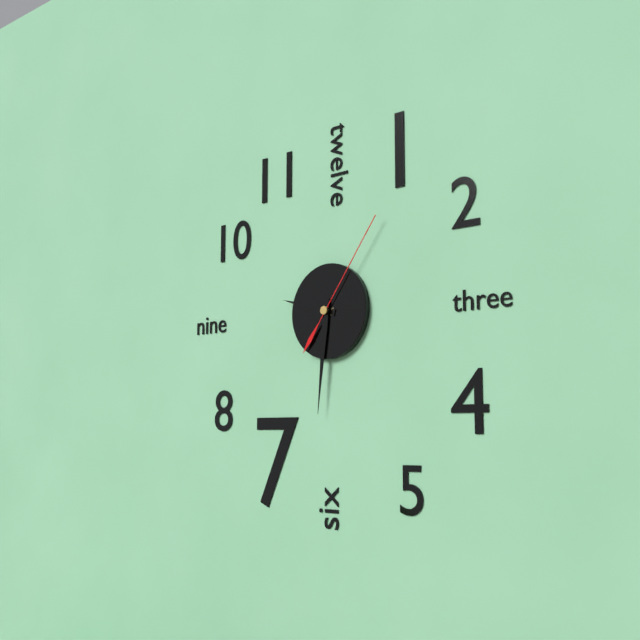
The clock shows 9.31.06
